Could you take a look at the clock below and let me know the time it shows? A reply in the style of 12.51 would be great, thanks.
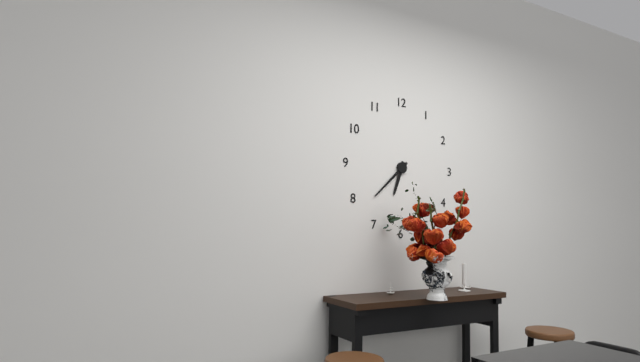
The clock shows 6.38
